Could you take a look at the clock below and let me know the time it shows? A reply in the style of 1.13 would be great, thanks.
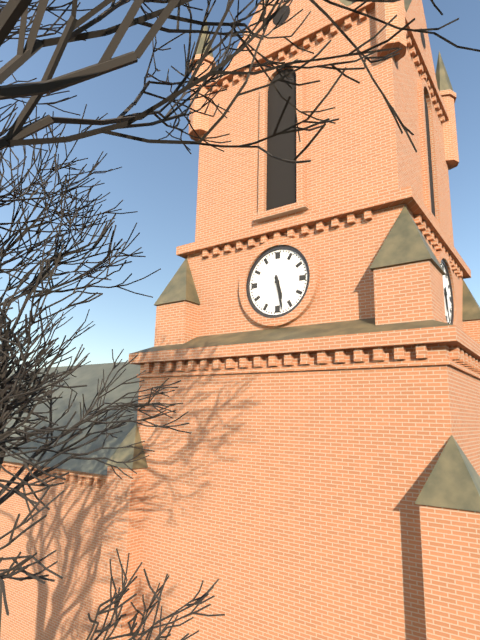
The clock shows 5.28
